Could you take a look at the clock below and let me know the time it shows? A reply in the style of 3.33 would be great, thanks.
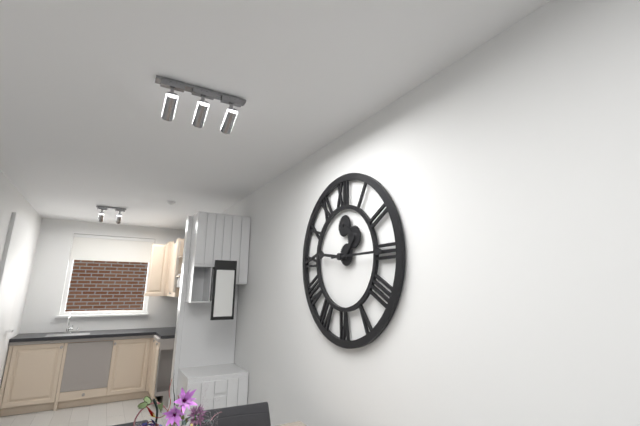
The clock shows 9.15
